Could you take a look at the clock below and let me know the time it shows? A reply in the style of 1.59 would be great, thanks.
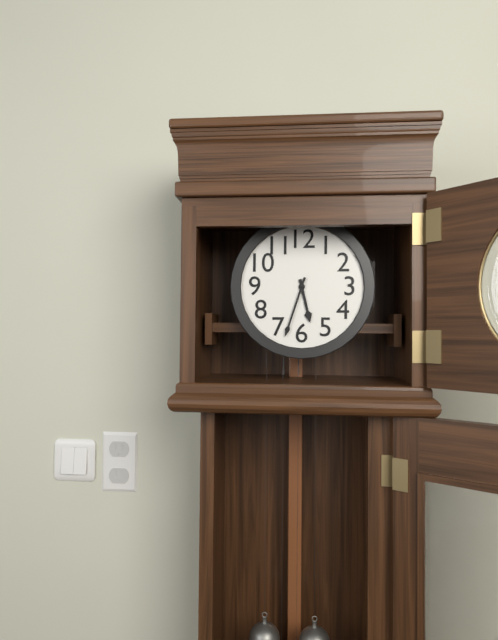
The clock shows 5.33
